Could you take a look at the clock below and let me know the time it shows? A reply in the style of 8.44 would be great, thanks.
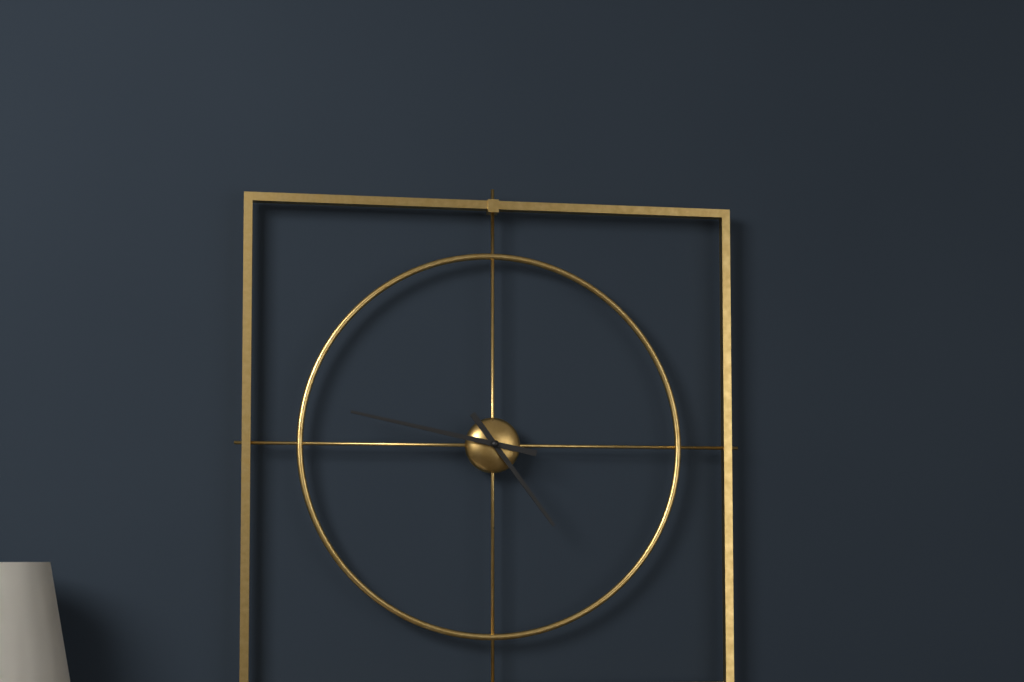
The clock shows 4.47
